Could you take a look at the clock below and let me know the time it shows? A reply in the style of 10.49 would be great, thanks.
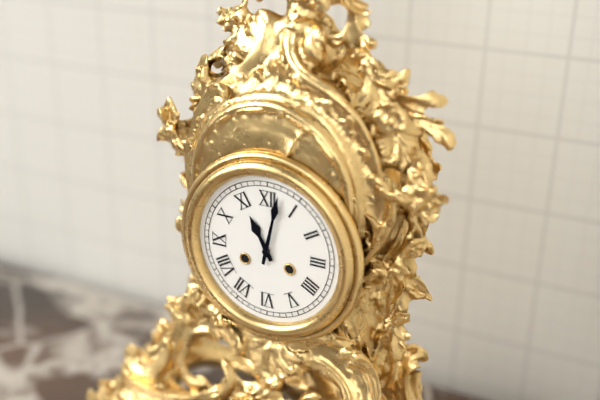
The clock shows 11.02
